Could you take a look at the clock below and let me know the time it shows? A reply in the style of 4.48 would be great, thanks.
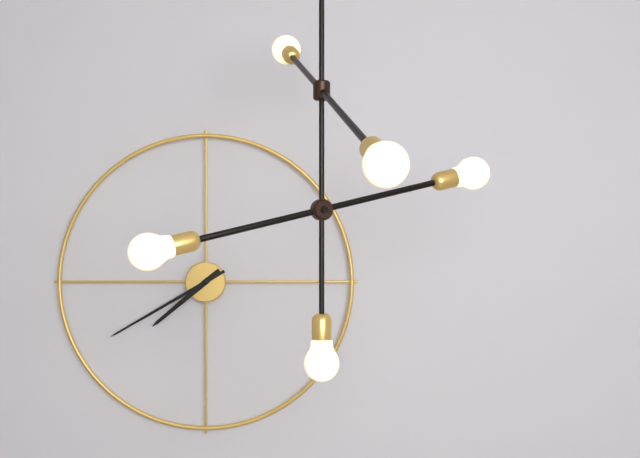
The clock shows 7.40
